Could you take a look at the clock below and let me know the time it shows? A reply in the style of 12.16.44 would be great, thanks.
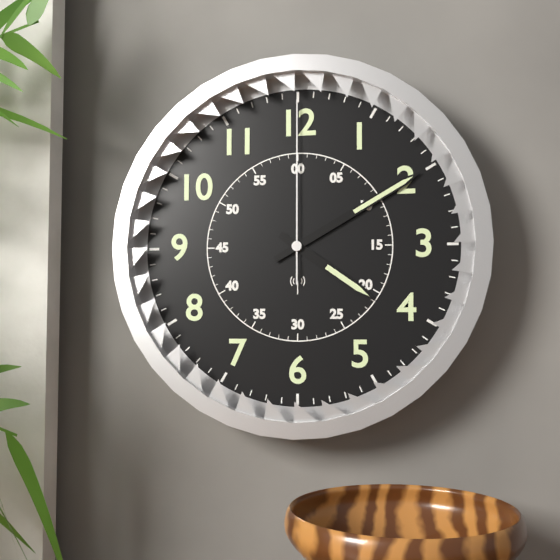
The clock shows 4.10.00
